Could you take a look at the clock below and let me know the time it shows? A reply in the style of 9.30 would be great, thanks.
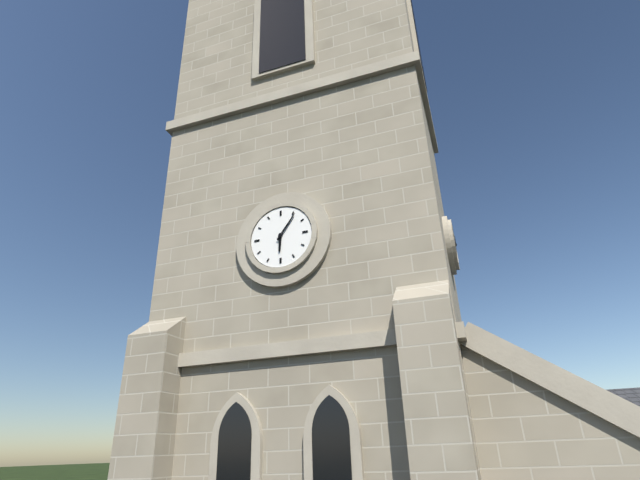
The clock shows 6.06
